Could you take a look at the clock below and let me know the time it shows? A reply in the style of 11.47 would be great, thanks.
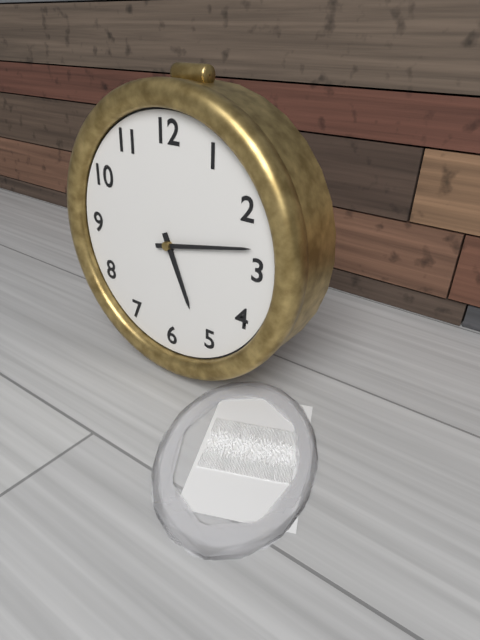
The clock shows 5.13
